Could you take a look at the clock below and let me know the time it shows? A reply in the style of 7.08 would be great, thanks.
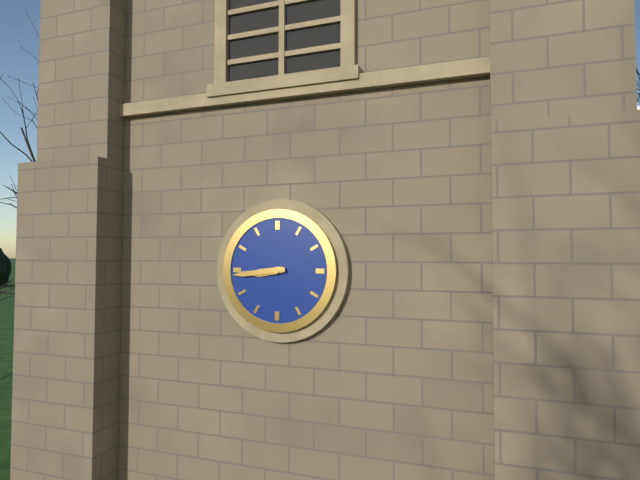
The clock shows 8.44
